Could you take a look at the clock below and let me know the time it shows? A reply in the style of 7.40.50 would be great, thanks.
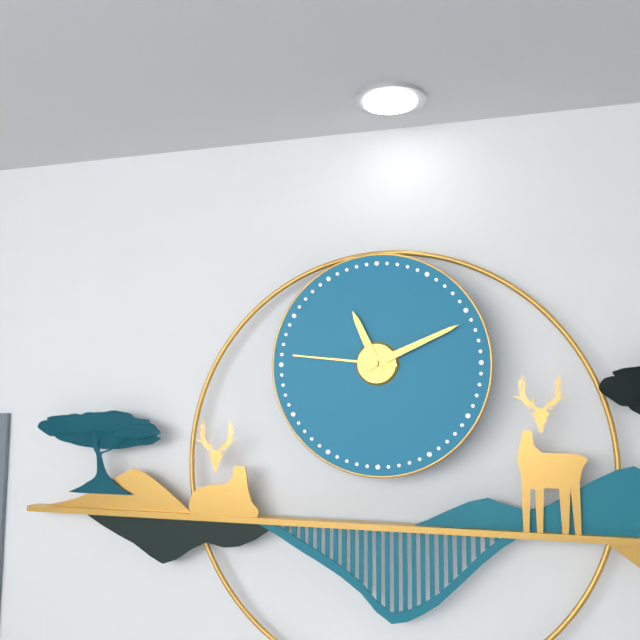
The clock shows 11.11.46
